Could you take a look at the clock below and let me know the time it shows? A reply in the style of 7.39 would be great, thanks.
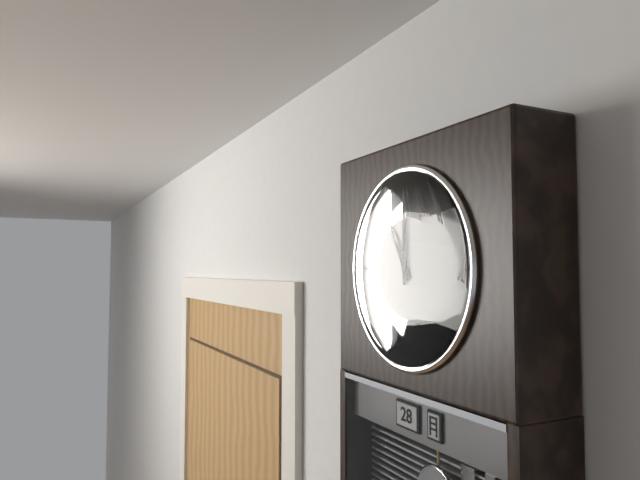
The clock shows 11.00
